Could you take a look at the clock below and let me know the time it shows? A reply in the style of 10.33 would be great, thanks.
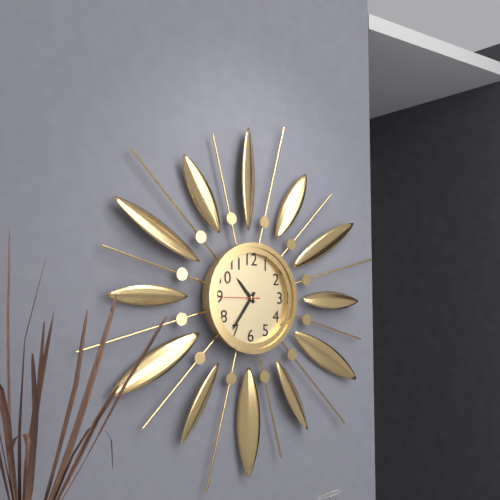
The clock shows 10.36
